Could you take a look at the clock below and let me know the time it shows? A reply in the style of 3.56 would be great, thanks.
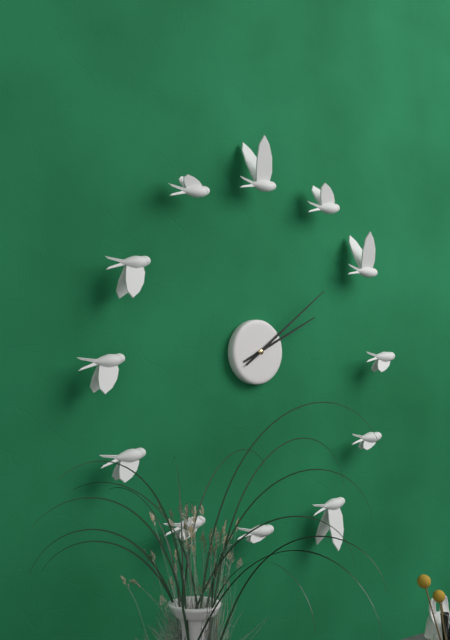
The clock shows 2.09
